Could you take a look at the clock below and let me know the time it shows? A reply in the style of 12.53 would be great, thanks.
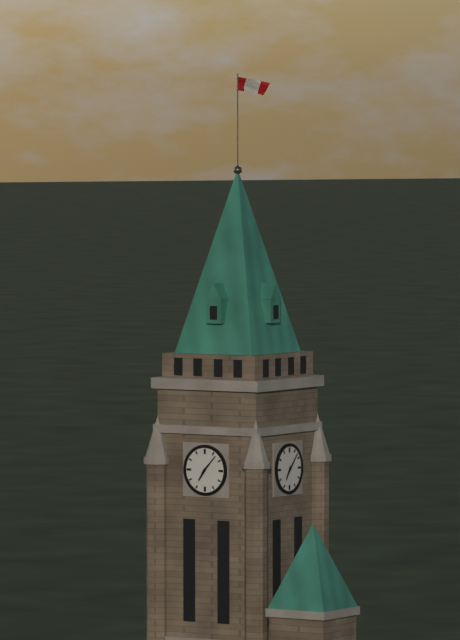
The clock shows 7.07
